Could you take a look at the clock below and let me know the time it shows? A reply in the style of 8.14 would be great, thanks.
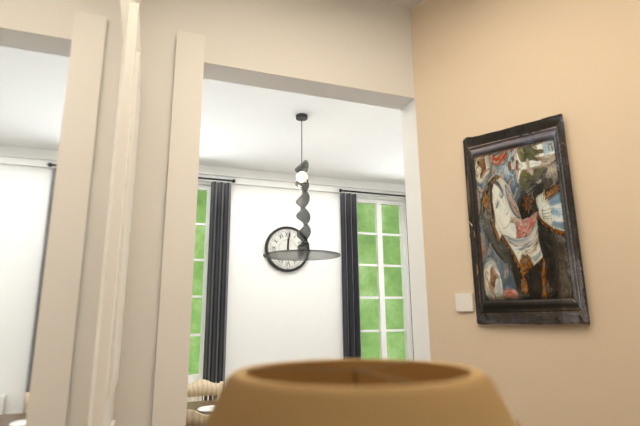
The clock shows 12.01
